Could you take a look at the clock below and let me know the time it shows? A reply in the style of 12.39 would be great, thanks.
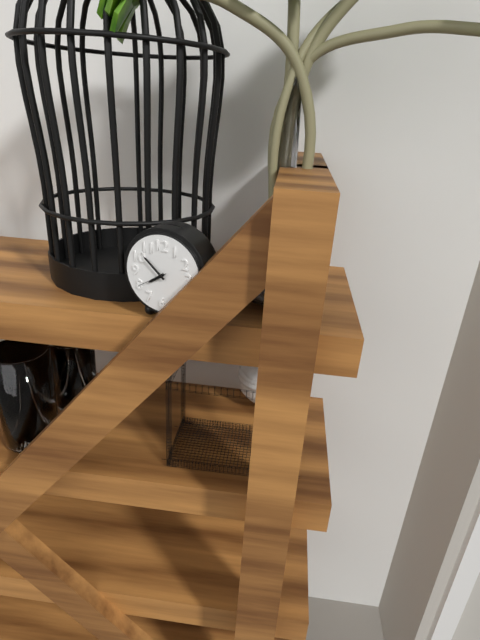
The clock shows 7.52
